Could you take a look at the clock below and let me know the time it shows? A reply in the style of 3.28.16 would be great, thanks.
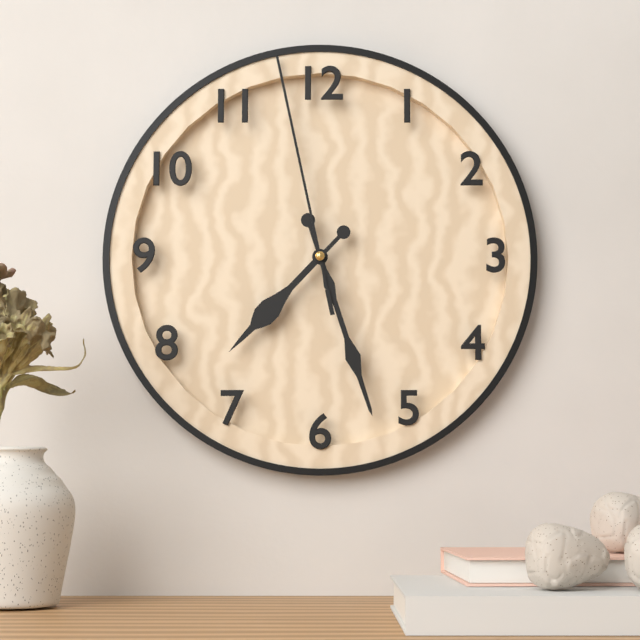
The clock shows 7.27.58
